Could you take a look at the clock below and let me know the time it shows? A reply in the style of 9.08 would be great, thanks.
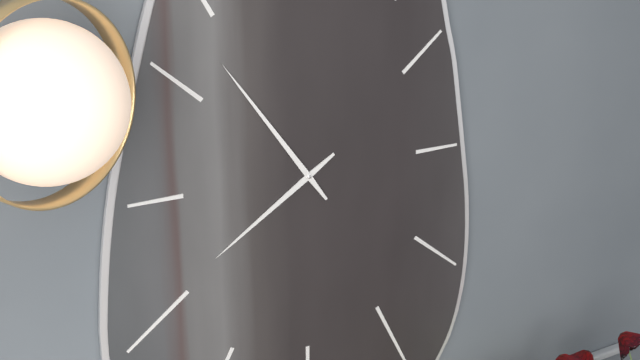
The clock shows 7.54
